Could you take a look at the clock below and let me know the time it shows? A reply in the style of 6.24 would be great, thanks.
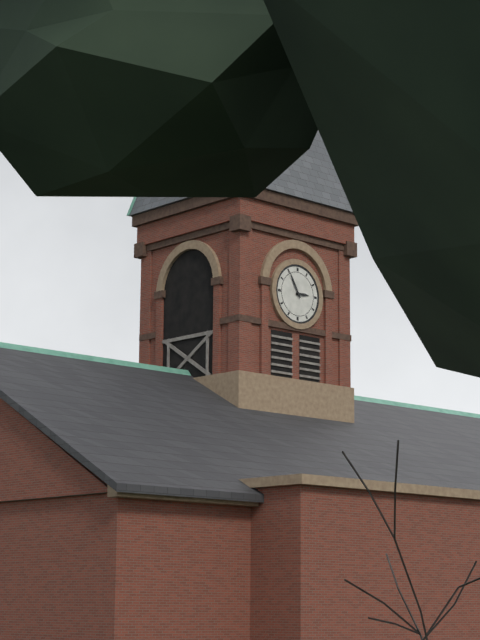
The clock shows 2.55
